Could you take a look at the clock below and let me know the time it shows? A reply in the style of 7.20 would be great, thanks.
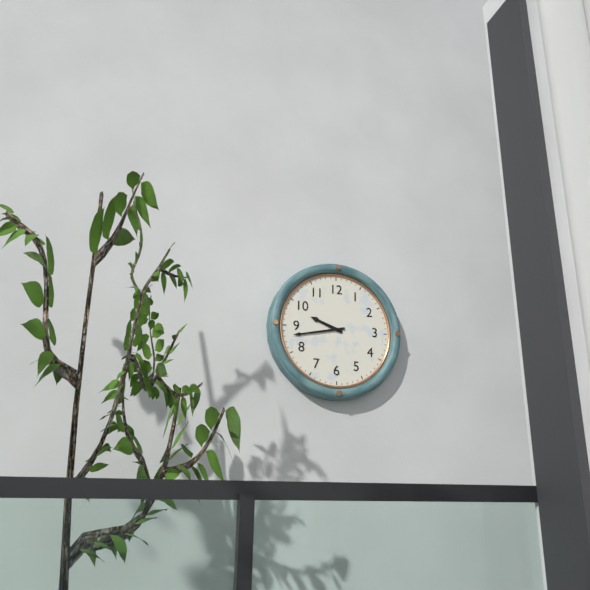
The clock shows 9.43
